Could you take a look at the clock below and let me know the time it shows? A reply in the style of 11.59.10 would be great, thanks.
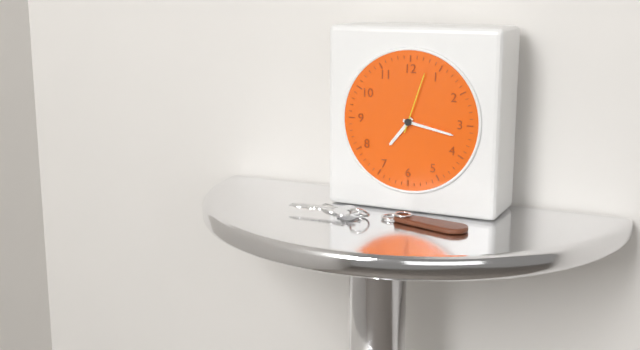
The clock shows 7.17.03
